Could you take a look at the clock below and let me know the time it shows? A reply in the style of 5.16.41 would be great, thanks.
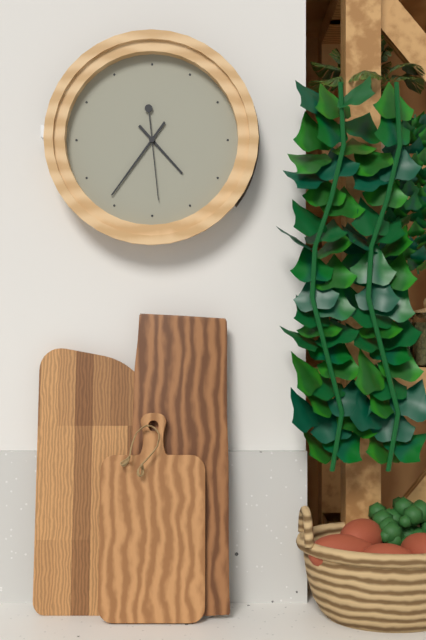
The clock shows 4.36.29
